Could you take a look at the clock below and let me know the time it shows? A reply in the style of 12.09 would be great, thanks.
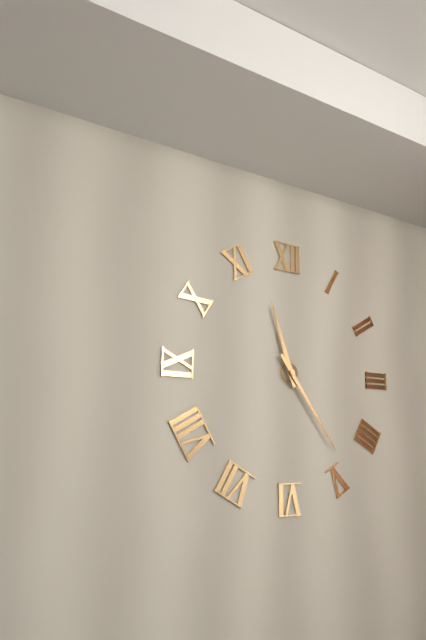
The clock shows 11.24
